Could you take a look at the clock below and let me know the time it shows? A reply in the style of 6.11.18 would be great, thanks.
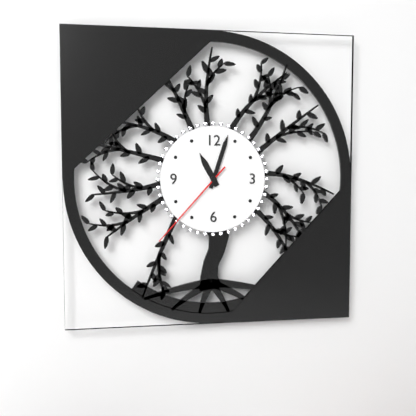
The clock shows 11.03.37
